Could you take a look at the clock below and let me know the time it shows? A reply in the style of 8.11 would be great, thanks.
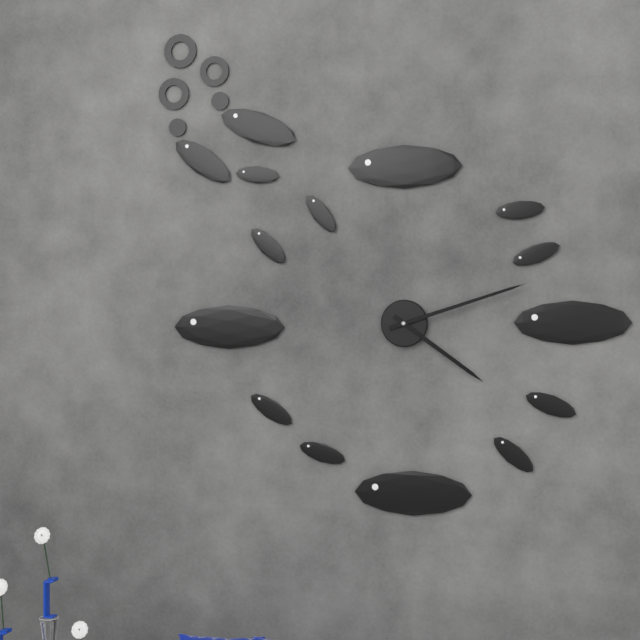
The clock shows 4.12
